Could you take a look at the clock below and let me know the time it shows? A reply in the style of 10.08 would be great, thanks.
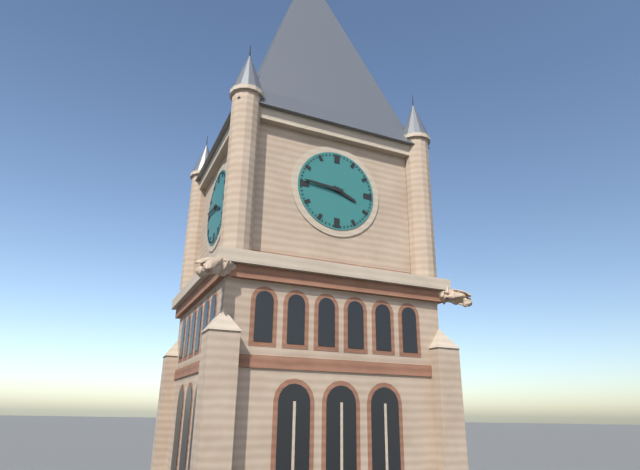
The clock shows 3.46
